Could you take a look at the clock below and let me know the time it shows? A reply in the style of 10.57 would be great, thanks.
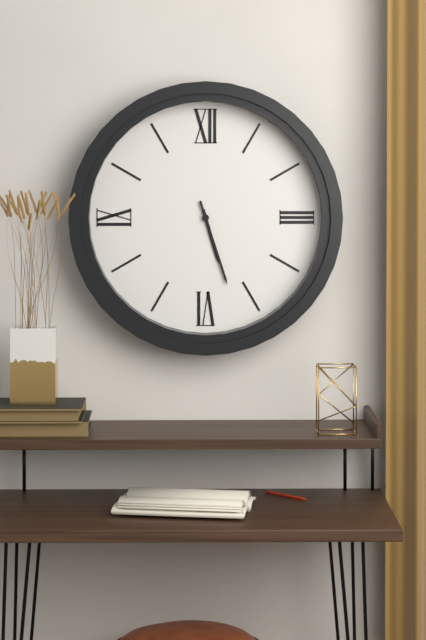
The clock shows 5.27
